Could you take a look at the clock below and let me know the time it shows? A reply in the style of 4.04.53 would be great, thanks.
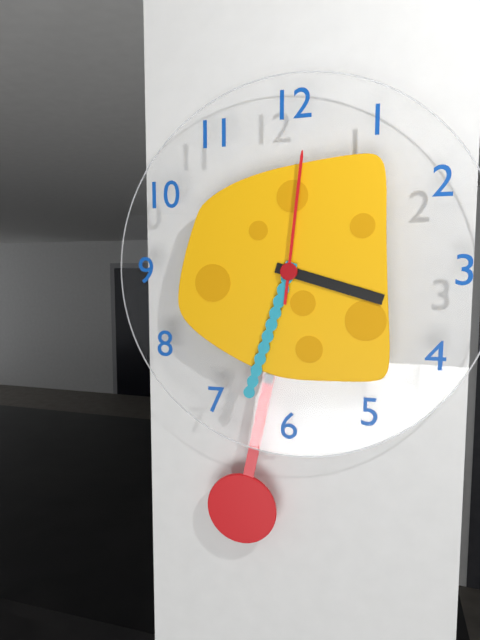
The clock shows 3.33.01
